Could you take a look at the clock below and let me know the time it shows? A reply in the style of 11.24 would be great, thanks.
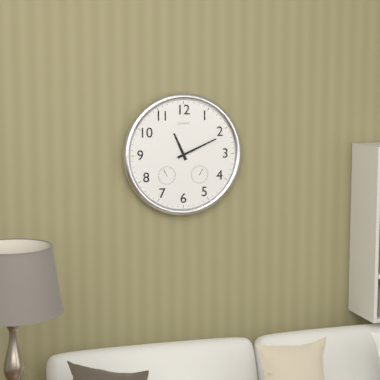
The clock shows 11.11
